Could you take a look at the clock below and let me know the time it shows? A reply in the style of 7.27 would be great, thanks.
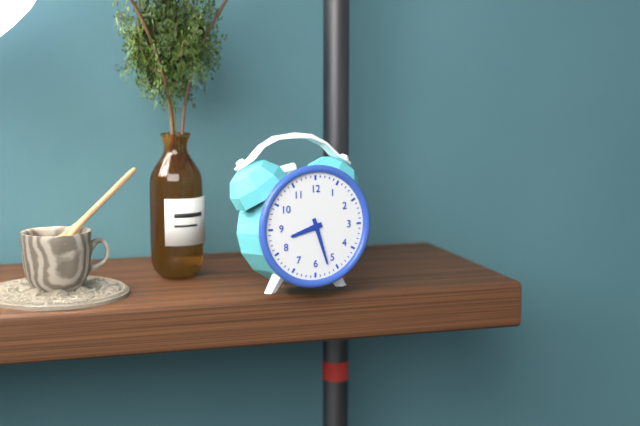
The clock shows 8.27
